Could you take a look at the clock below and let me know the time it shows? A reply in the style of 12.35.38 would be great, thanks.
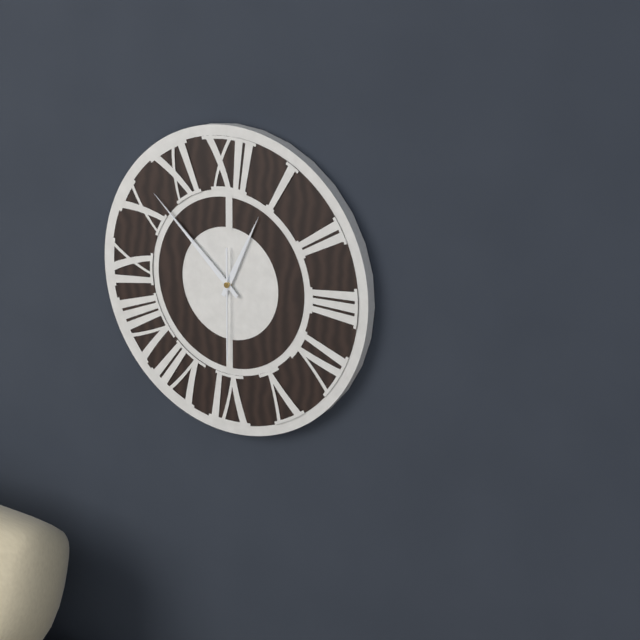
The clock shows 12.52.30
